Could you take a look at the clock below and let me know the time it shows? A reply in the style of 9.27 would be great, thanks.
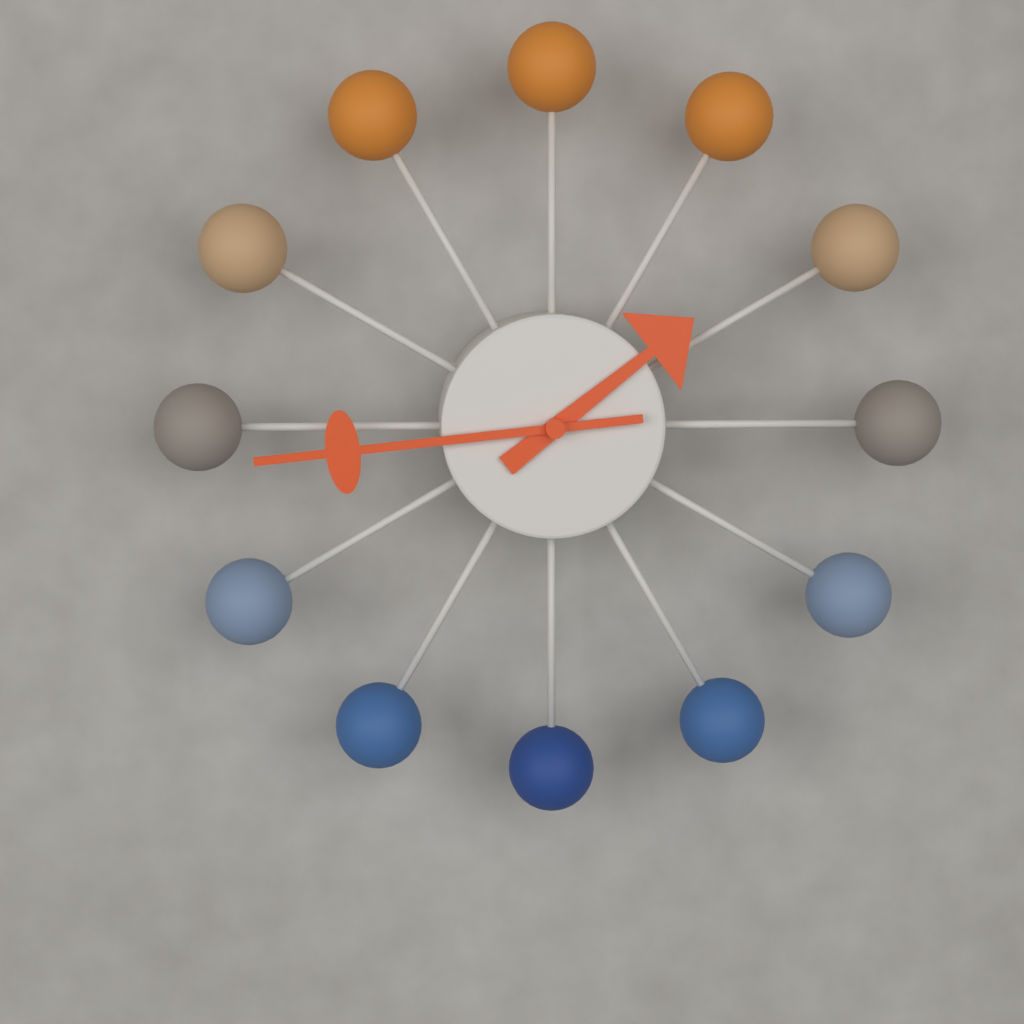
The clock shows 1.44
